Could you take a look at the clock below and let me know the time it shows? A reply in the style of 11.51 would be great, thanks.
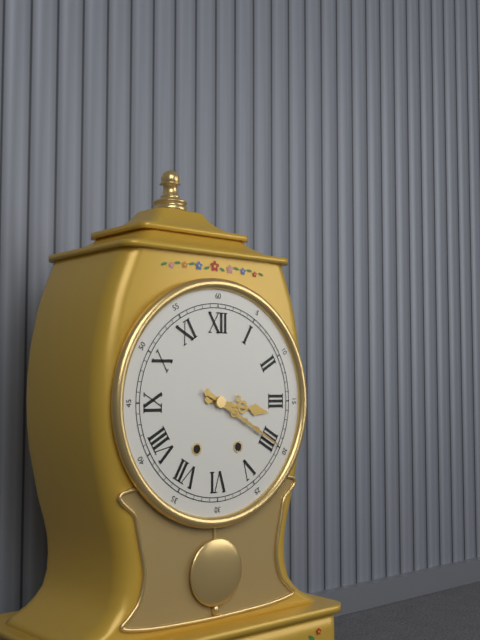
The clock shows 3.20
